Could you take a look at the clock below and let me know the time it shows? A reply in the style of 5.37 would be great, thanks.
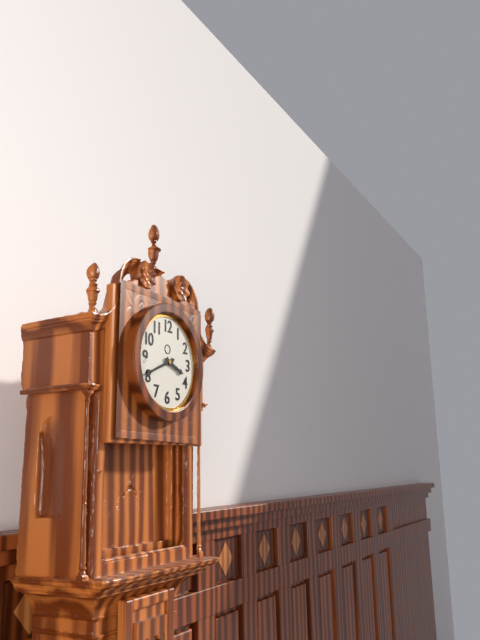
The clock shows 3.41
